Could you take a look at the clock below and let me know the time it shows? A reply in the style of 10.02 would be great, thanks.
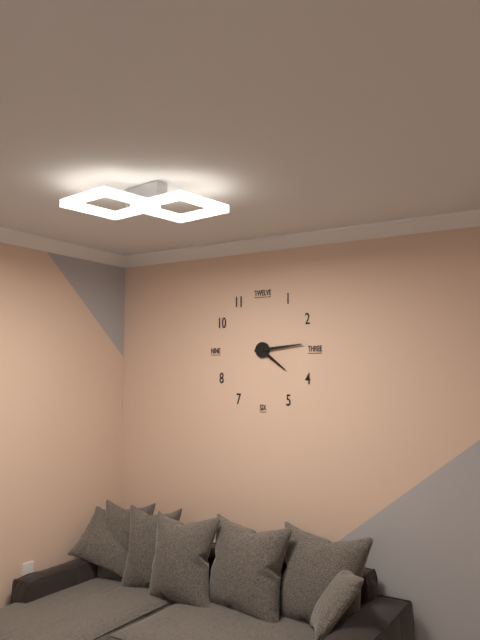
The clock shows 4.14
